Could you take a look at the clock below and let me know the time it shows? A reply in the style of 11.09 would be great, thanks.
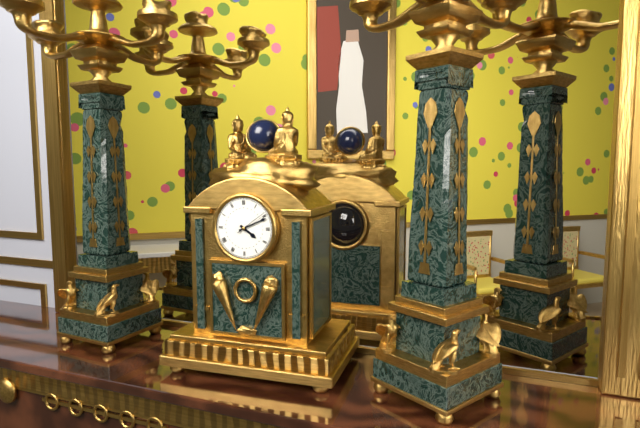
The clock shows 4.11
